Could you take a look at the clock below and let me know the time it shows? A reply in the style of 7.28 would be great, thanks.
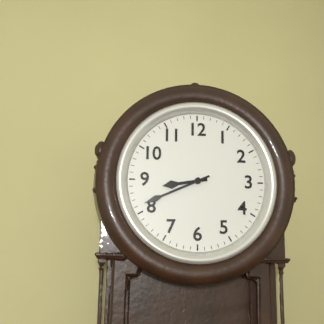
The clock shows 8.41
